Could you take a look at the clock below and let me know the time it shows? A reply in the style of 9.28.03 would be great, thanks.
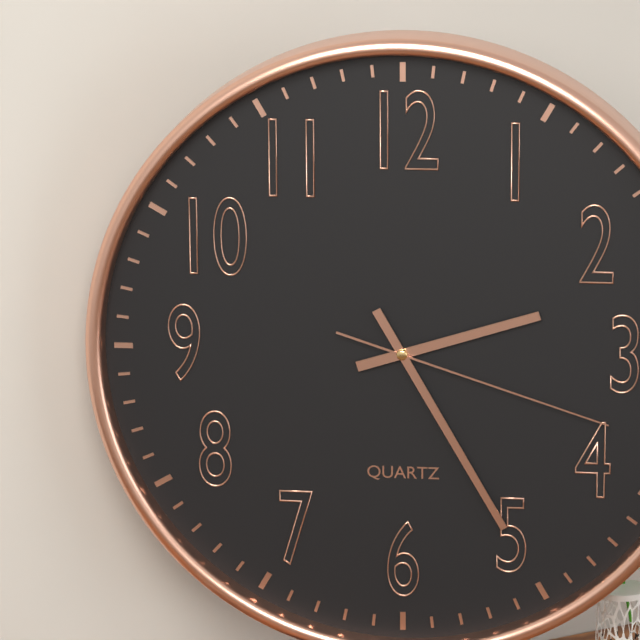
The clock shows 2.25.18
